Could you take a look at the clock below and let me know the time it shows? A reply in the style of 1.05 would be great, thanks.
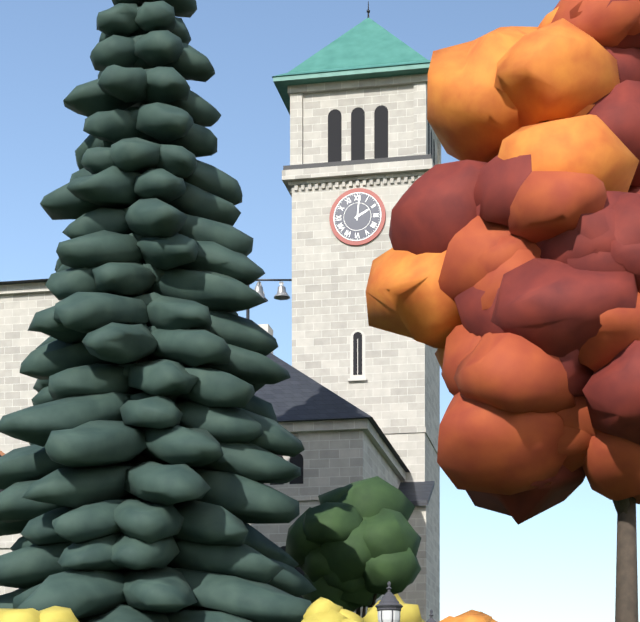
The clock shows 2.01
